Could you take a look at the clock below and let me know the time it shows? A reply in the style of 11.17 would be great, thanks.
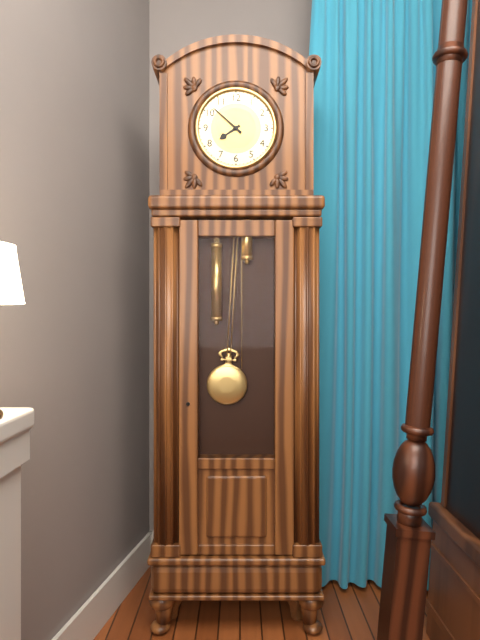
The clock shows 7.52
